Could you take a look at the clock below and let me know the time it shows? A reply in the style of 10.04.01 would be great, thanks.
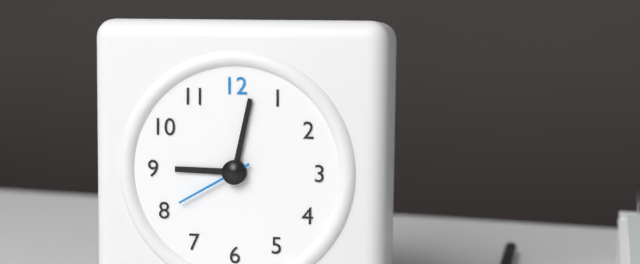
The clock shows 9.02.40
